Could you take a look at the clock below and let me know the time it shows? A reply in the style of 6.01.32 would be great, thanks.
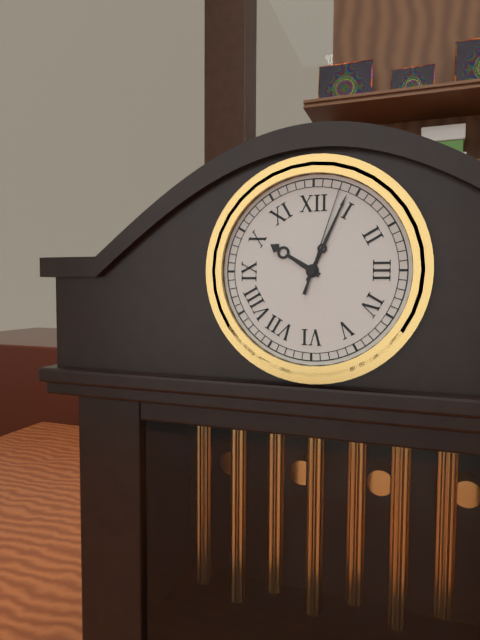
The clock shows 10.04.03
